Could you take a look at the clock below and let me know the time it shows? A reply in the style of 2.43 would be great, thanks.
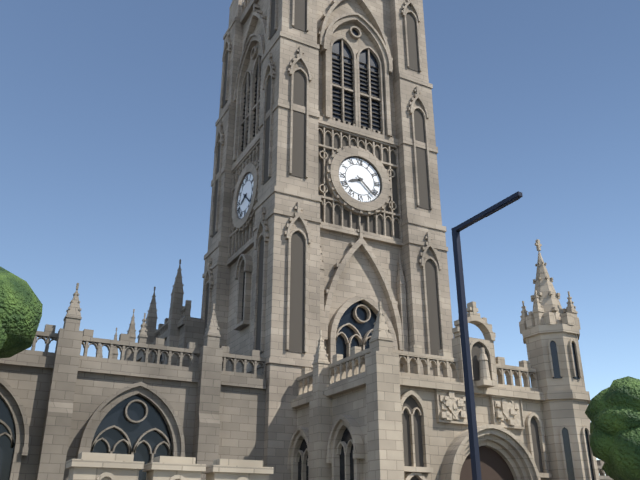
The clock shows 8.22
